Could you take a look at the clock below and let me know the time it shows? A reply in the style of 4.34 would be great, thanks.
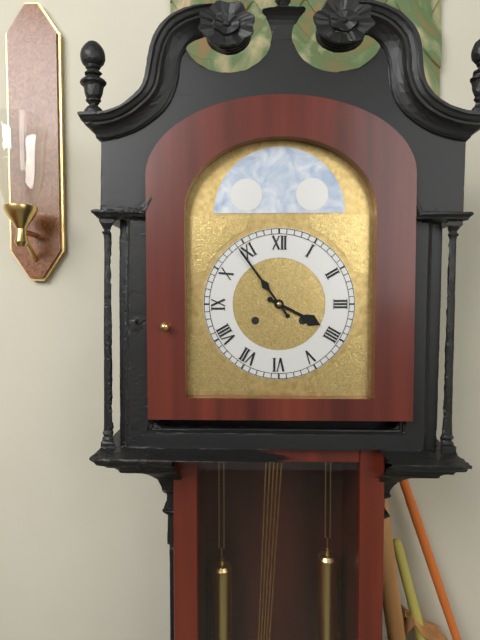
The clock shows 3.54
